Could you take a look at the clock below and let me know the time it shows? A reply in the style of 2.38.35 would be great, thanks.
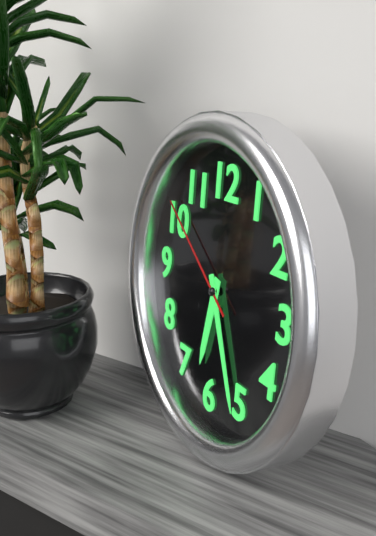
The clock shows 6.26.51
